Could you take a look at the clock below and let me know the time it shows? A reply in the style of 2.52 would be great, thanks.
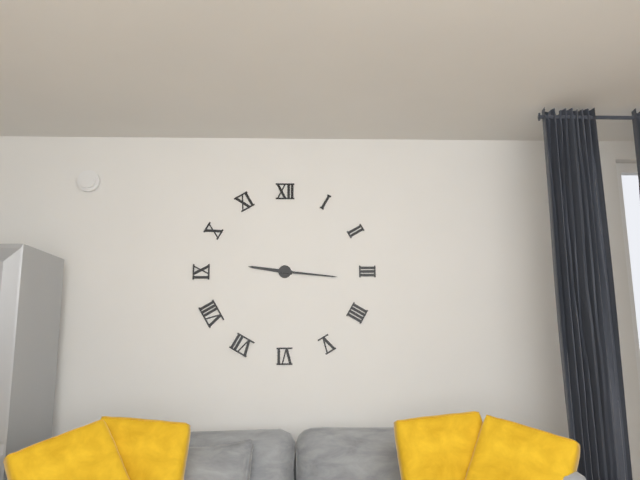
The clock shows 9.16
